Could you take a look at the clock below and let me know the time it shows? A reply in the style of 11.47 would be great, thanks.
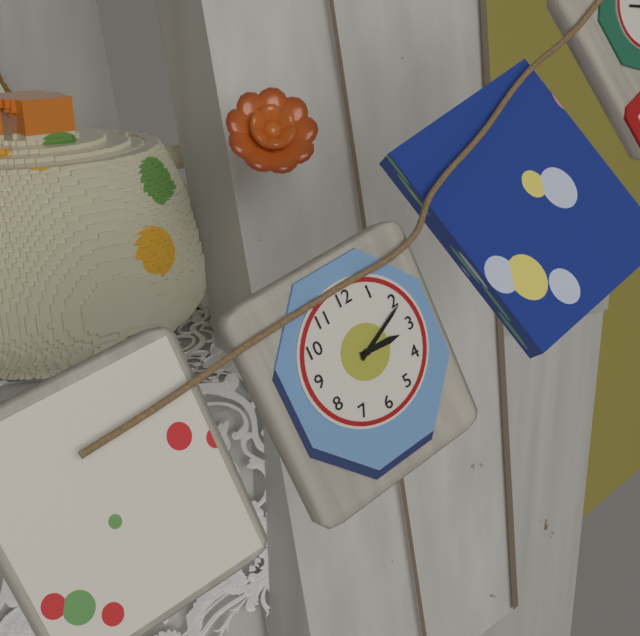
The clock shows 3.11
